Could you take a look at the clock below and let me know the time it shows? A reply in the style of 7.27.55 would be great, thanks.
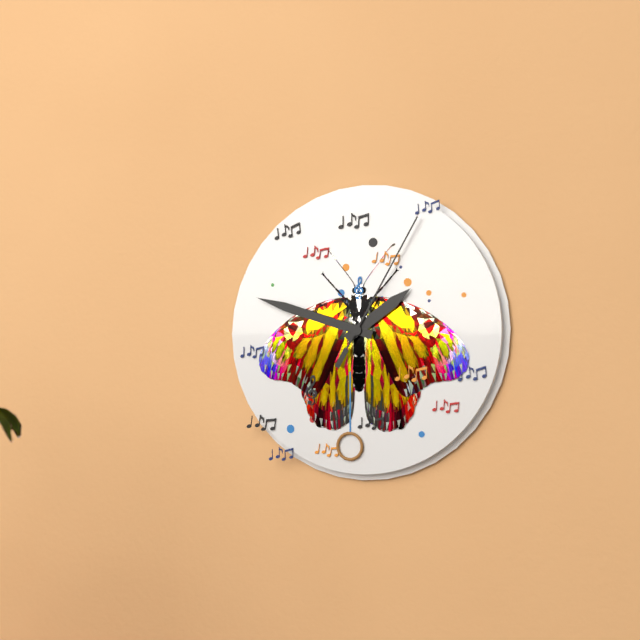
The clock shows 1.48.05
